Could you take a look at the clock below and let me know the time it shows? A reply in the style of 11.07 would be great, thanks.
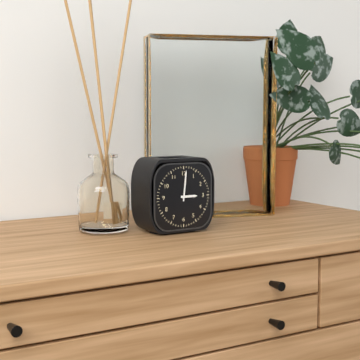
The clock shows 3.01
